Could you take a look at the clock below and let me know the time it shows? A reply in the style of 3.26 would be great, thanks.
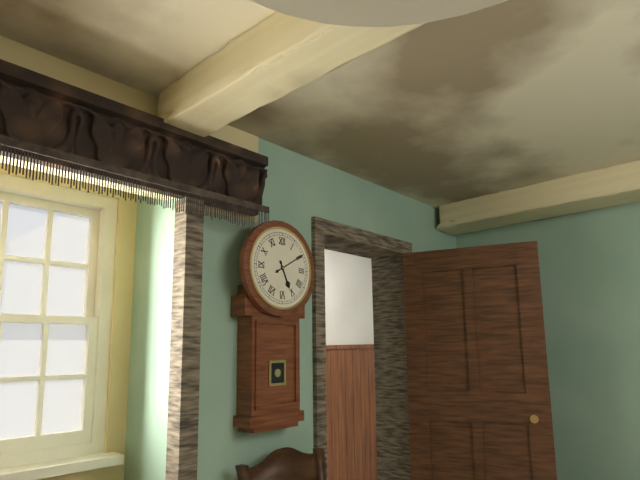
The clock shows 5.10
